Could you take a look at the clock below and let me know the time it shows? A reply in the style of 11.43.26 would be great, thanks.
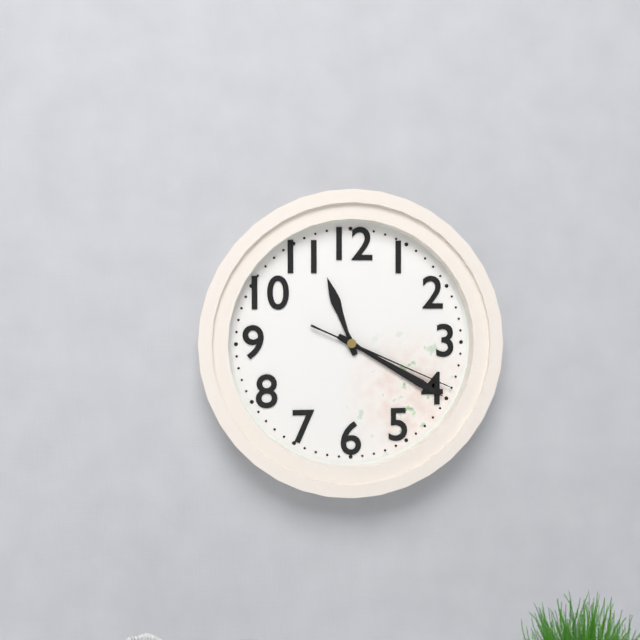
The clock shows 11.20.19
